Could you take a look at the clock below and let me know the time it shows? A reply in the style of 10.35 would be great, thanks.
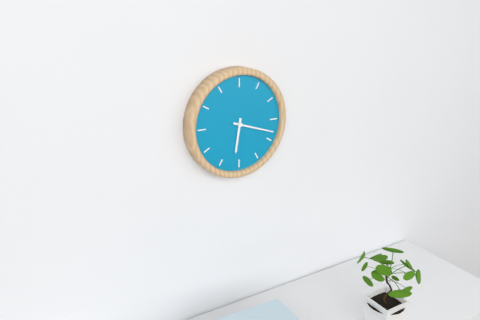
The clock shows 6.18
